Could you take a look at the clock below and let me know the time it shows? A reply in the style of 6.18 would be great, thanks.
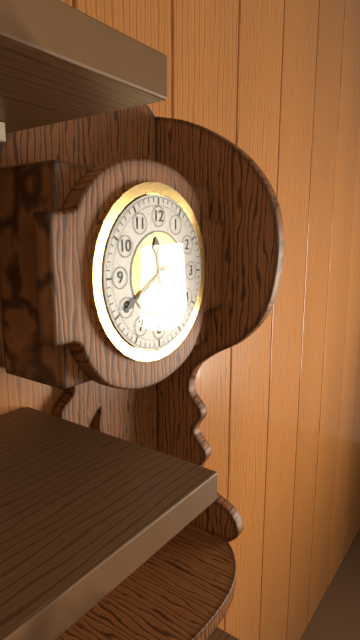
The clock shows 11.40
